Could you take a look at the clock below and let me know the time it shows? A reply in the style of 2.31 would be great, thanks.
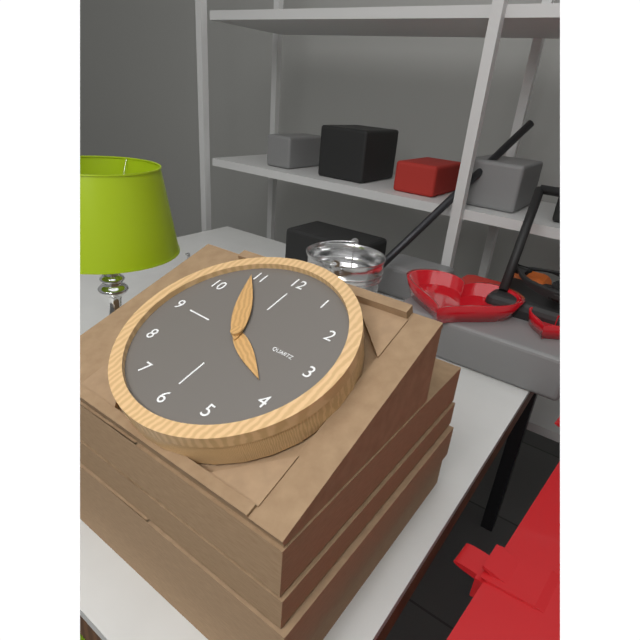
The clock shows 3.54
